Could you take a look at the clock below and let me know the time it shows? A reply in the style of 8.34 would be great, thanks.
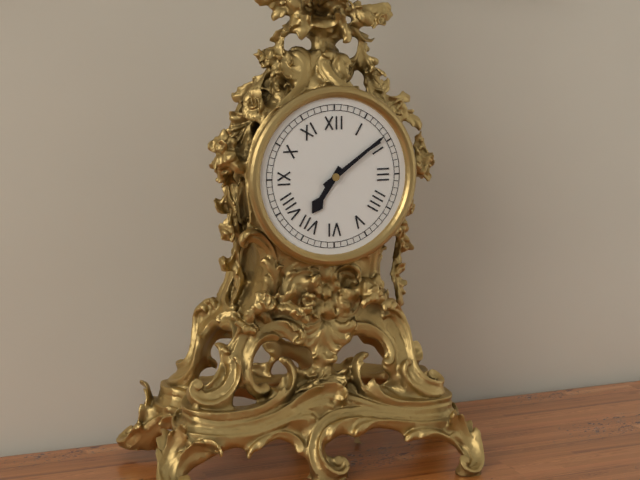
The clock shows 7.09
